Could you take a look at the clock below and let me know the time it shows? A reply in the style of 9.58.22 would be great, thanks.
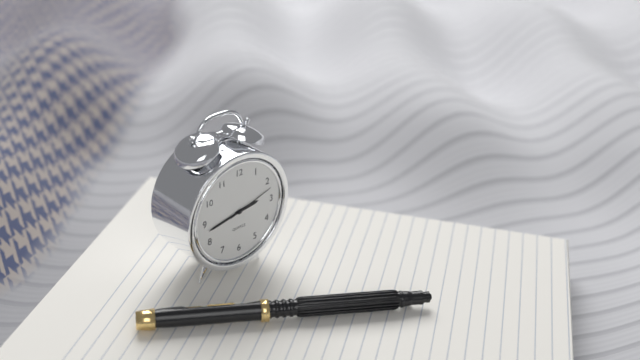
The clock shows 2.43.12
